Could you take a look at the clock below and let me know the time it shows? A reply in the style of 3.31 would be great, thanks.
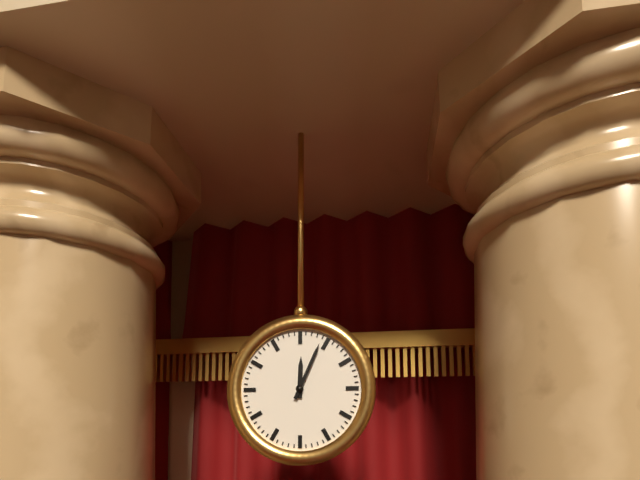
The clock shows 12.04
